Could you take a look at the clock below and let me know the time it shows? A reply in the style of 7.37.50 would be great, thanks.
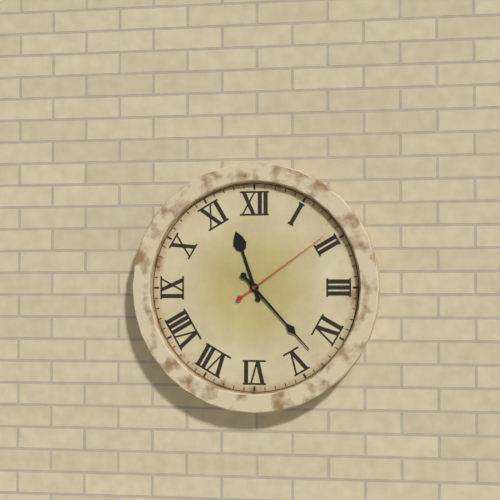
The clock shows 11.23.09
